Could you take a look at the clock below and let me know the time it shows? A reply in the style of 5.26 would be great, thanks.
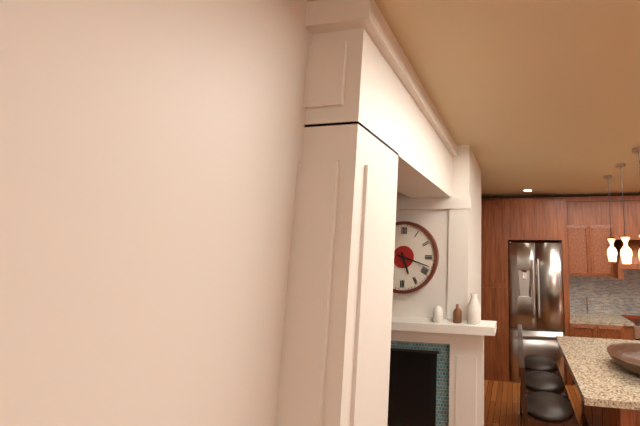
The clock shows 5.18
